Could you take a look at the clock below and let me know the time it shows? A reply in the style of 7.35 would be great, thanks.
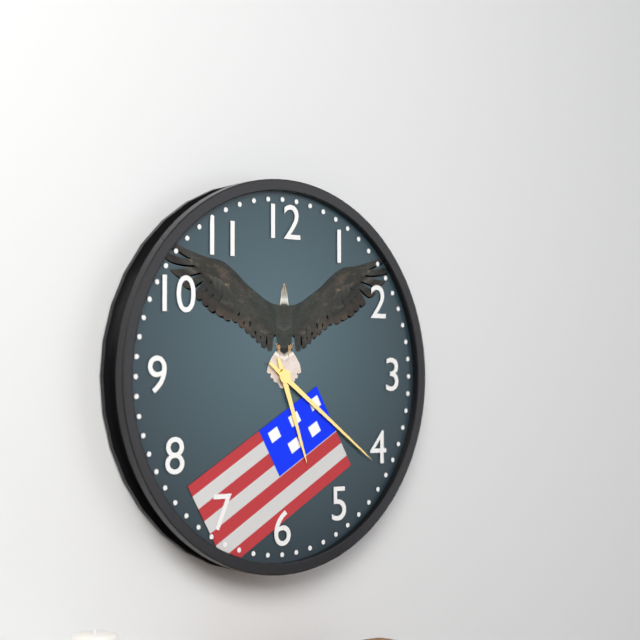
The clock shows 5.21
